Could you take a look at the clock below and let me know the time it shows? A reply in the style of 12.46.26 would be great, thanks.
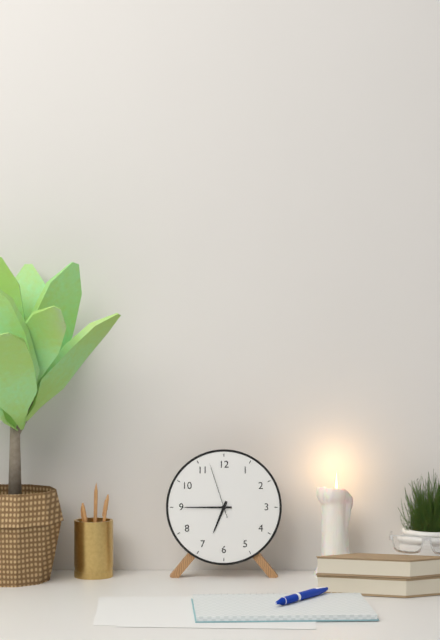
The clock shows 6.45.57
